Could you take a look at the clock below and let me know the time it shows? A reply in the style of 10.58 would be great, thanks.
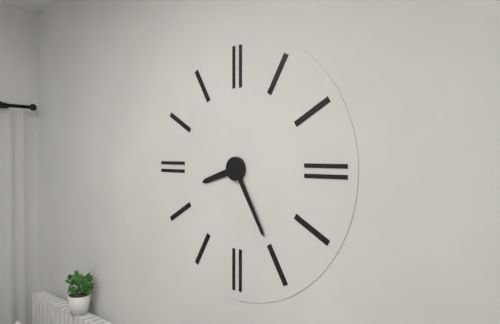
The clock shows 8.25
